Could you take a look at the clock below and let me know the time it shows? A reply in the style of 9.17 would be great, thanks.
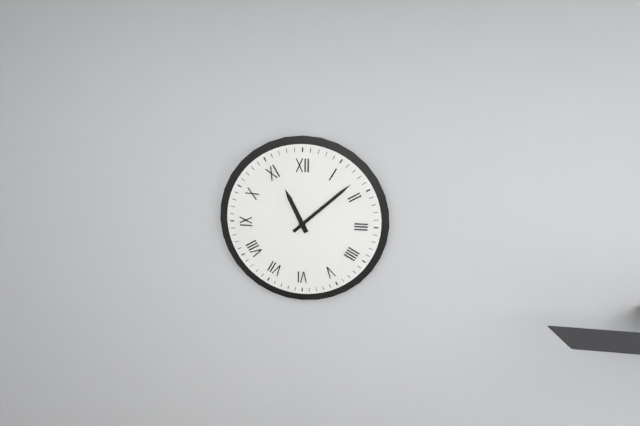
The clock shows 11.08
